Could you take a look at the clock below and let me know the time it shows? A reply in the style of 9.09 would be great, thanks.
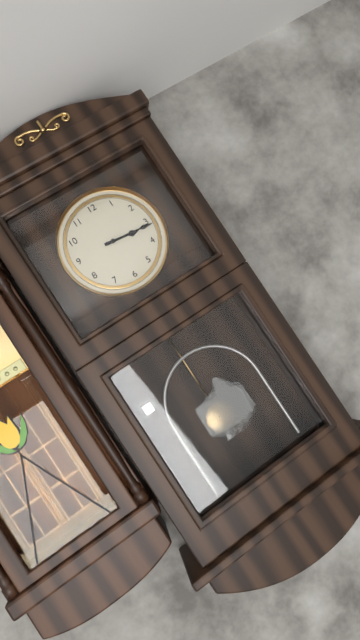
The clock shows 3.16
